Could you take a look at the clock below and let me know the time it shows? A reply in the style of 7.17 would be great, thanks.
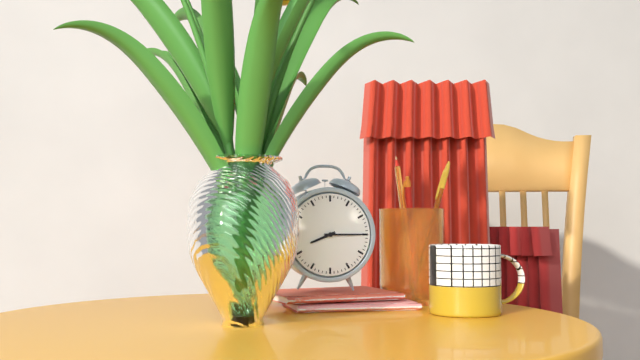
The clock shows 8.15
